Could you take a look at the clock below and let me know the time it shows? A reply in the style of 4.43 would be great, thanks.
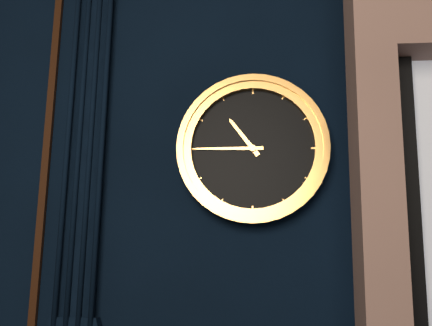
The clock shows 10.45
